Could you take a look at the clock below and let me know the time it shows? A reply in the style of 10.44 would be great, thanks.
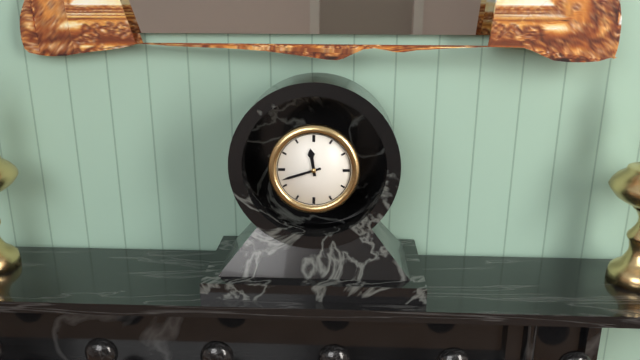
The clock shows 11.42
